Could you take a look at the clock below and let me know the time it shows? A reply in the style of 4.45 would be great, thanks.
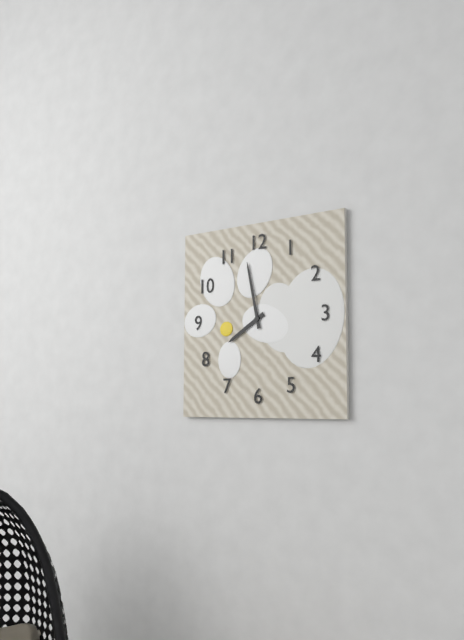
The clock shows 7.58
